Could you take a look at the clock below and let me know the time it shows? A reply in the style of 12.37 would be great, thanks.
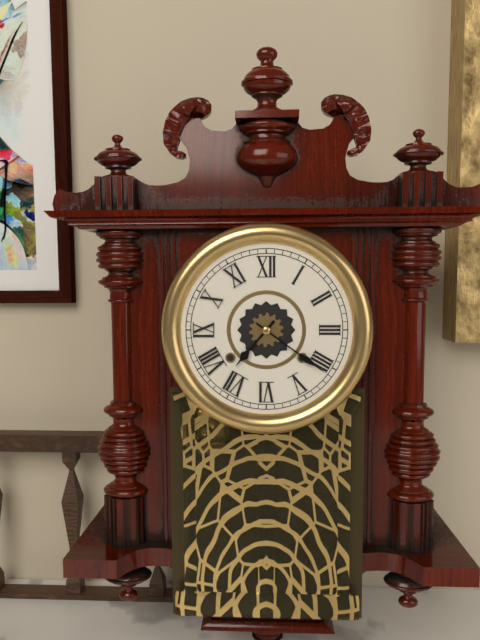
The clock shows 7.21
